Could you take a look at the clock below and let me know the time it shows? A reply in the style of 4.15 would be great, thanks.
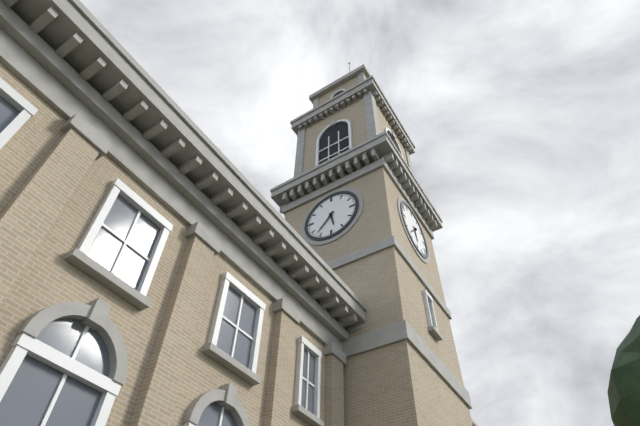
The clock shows 5.37
